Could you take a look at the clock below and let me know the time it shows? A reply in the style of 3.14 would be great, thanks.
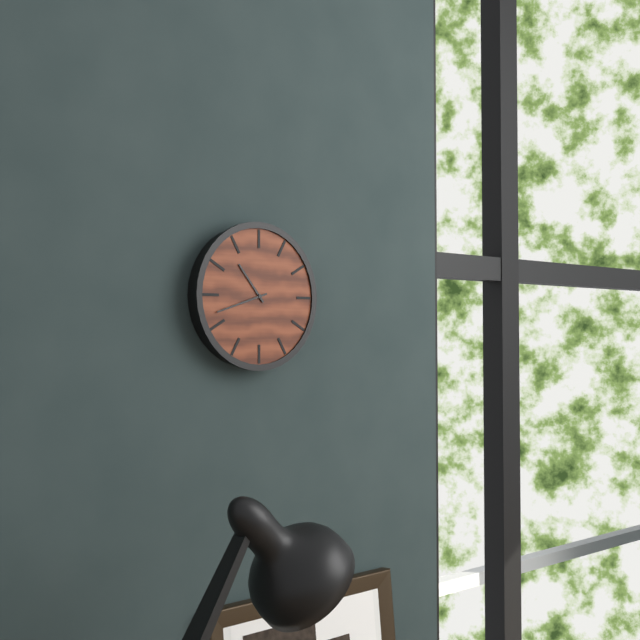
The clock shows 10.42
